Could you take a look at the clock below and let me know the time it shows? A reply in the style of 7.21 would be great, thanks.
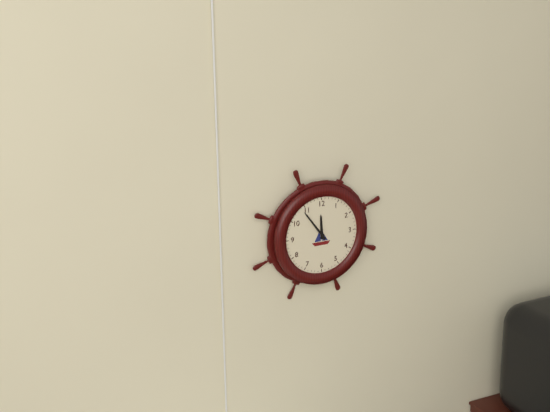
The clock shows 11.54
